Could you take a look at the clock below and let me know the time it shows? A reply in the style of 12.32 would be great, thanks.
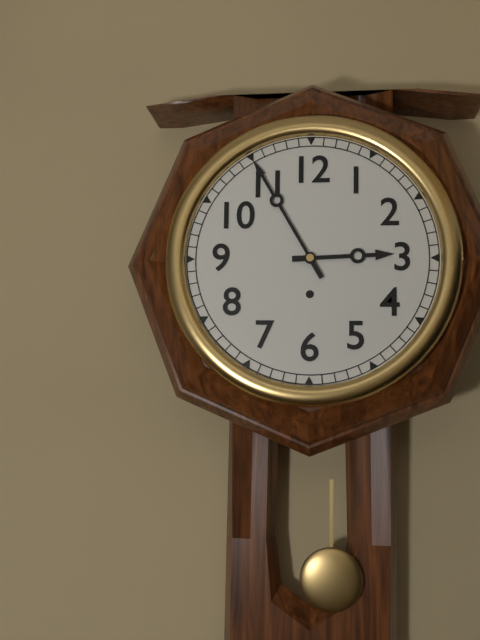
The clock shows 2.55
